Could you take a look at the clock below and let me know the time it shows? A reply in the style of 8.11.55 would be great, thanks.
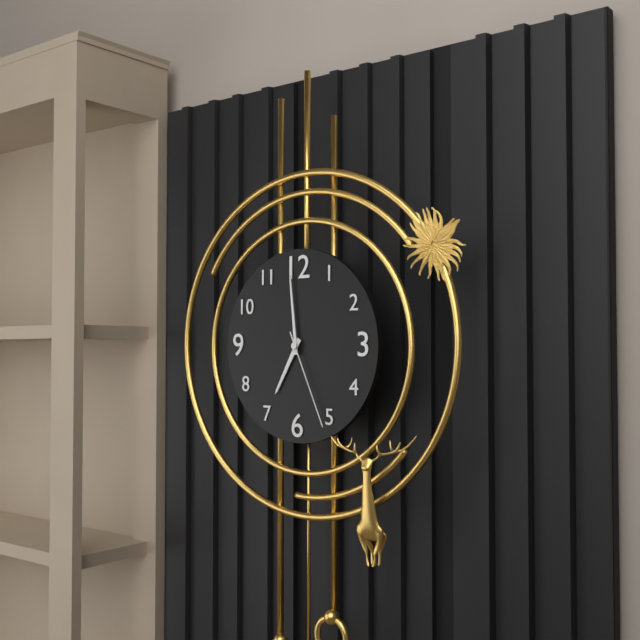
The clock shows 6.59.26
